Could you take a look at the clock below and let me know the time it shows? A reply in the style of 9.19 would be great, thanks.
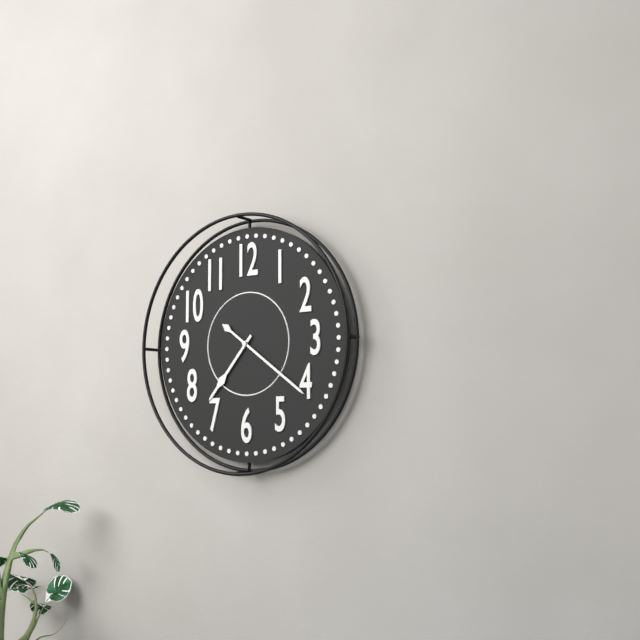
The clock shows 7.21
